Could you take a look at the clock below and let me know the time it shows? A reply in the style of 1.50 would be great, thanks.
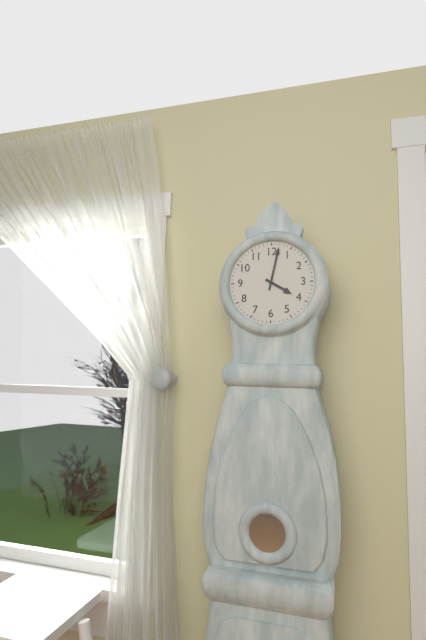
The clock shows 4.02
